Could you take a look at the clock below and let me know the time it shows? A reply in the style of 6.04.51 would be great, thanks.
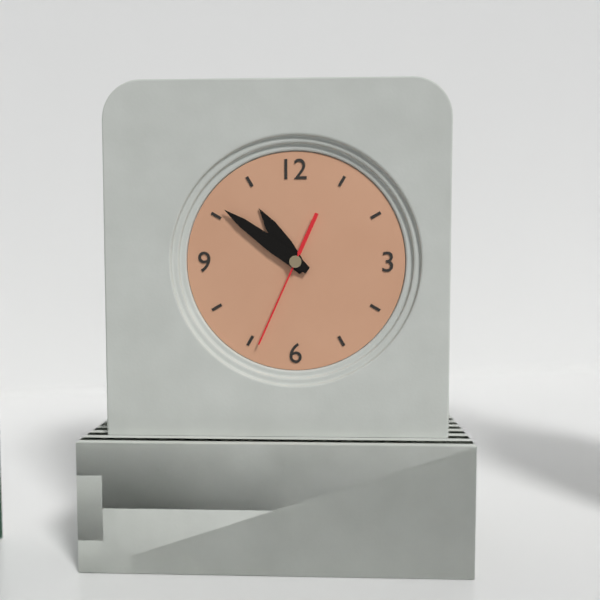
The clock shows 10.51.34
